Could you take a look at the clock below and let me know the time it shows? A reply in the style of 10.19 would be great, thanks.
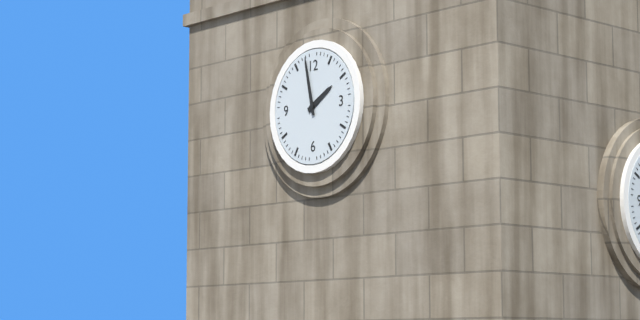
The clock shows 1.58
